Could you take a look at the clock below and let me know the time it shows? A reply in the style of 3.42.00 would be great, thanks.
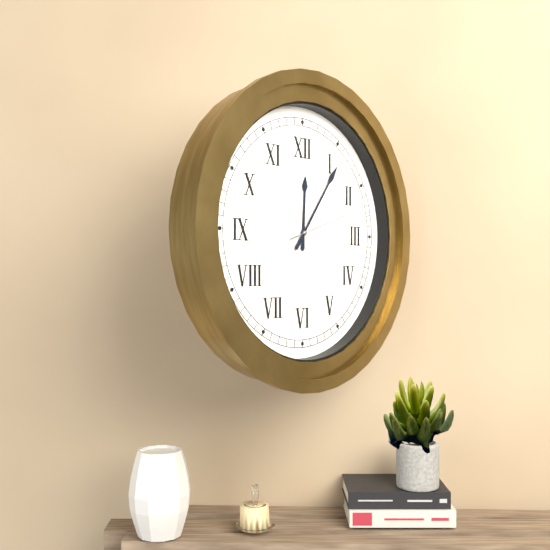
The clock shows 12.06.12
